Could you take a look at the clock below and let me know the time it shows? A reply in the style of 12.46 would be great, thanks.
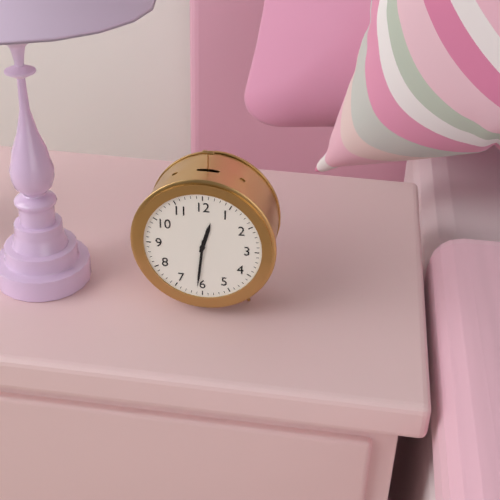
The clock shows 12.31
